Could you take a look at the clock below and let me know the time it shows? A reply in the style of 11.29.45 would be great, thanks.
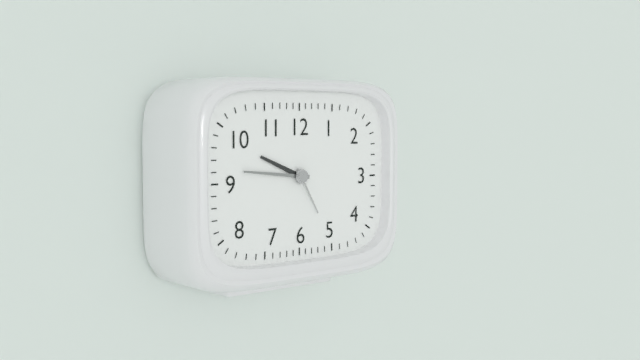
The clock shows 9.46.25
